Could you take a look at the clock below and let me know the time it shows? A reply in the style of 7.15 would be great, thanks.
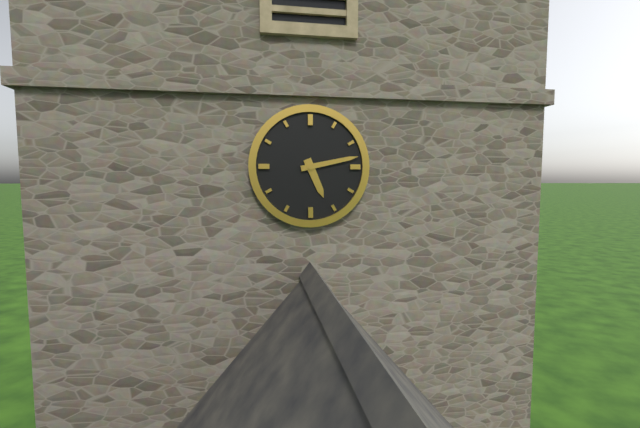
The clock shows 5.13
